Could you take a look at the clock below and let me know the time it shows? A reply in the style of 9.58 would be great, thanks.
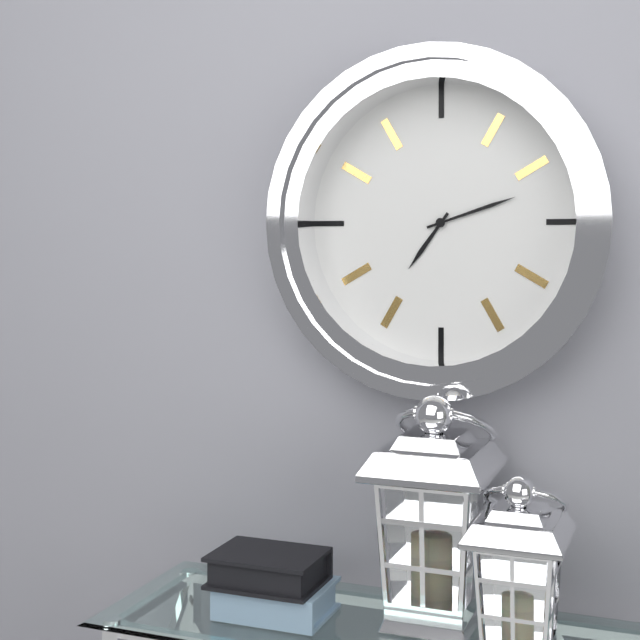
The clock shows 7.12
